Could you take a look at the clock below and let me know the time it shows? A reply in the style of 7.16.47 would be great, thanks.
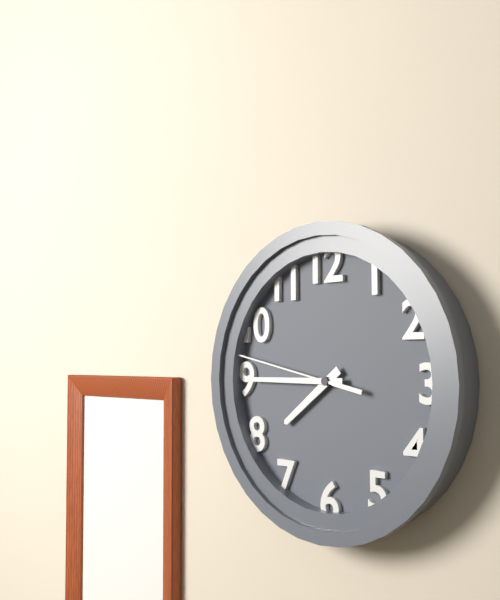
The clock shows 7.45.47
